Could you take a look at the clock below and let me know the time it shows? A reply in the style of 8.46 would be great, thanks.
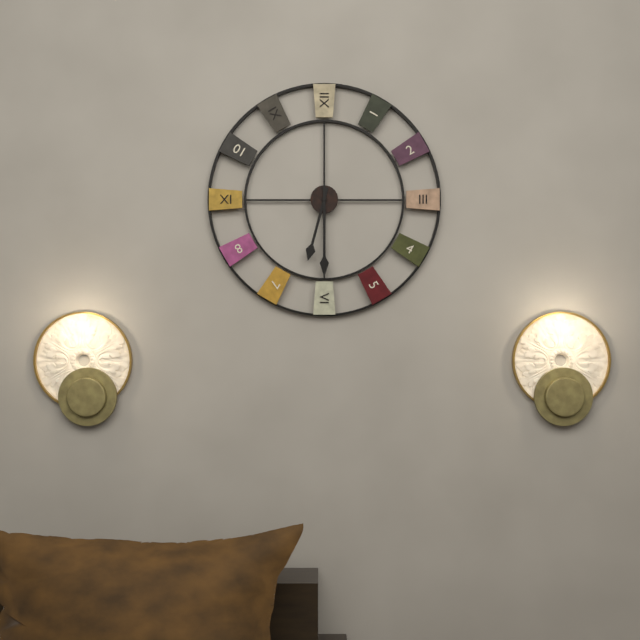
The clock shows 6.30
